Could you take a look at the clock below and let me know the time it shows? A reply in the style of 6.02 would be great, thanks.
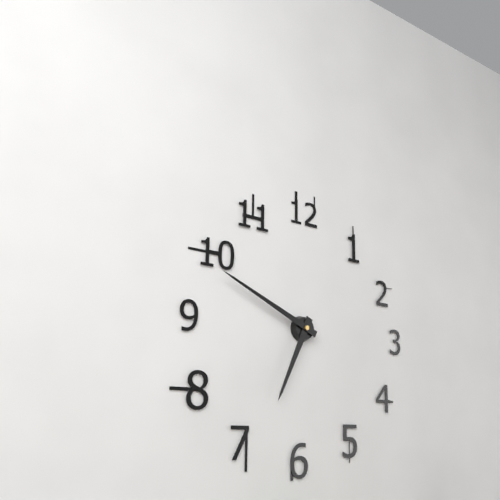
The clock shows 6.49
